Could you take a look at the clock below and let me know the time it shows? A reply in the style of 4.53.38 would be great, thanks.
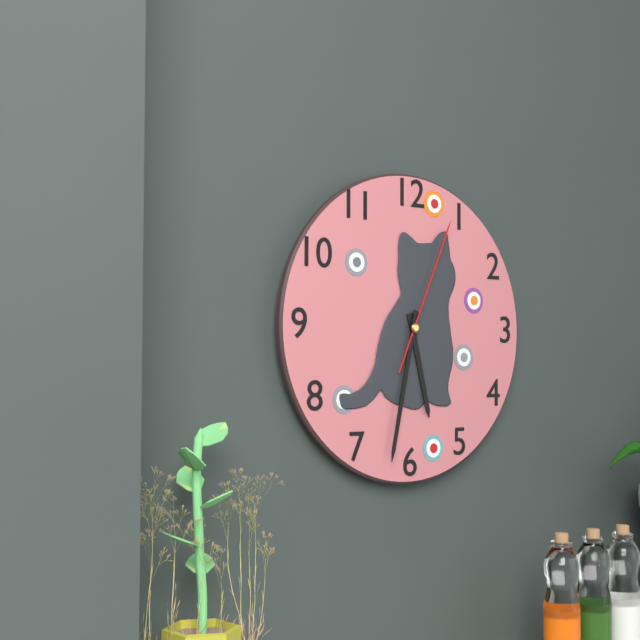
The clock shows 5.32.04
